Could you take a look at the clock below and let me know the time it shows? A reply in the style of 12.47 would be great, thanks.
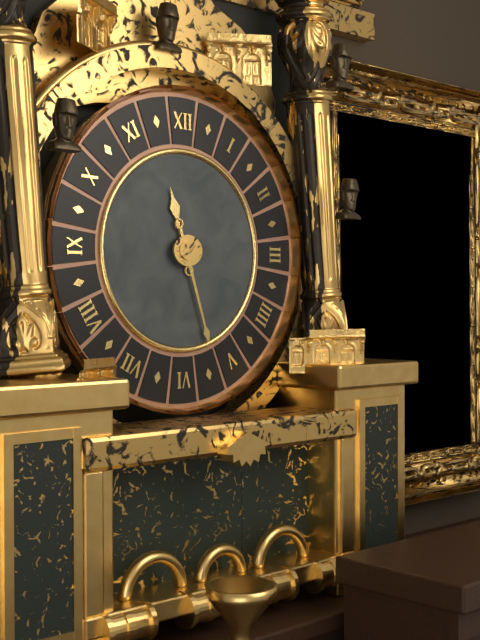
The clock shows 11.27
